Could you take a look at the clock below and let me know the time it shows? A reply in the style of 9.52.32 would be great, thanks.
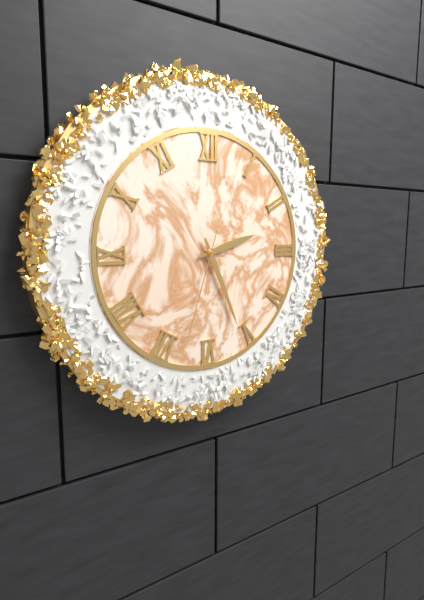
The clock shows 2.26.33
